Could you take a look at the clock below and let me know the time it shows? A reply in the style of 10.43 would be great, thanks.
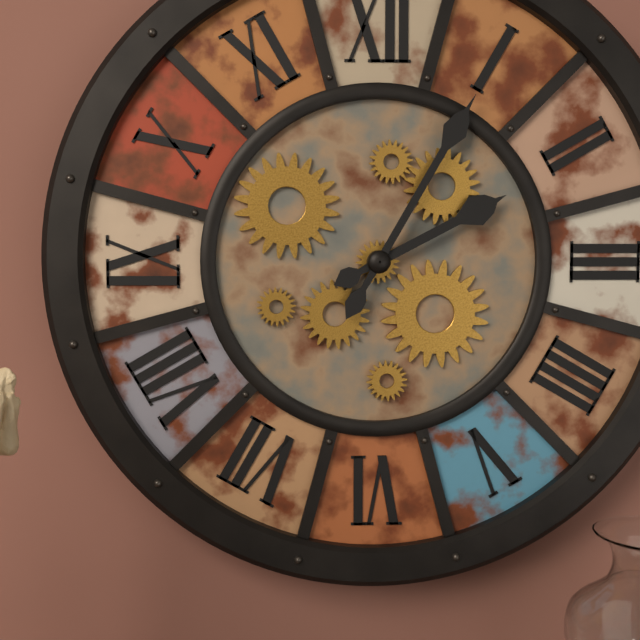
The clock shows 2.05
